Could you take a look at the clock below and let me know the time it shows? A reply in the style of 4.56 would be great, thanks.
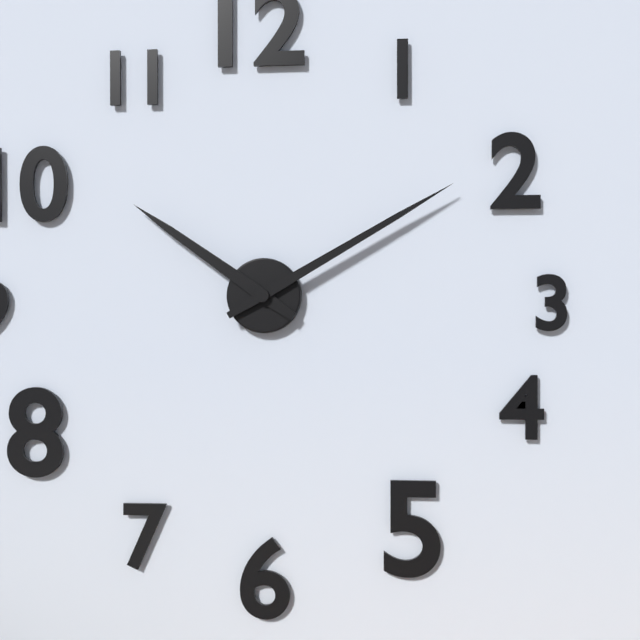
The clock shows 10.10
